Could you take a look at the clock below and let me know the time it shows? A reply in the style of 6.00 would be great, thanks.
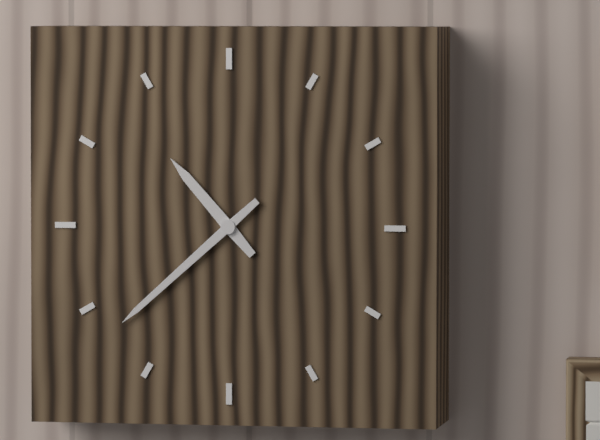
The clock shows 10.38
